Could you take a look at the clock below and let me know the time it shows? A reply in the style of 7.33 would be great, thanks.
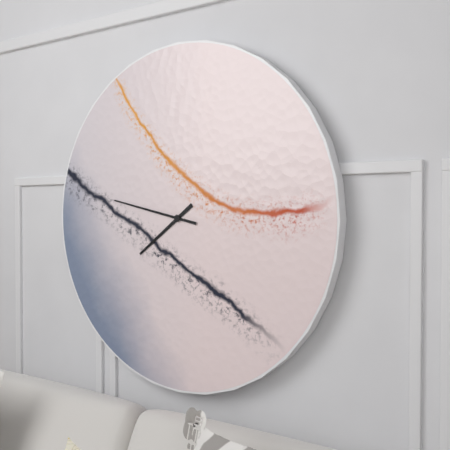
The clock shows 7.47
